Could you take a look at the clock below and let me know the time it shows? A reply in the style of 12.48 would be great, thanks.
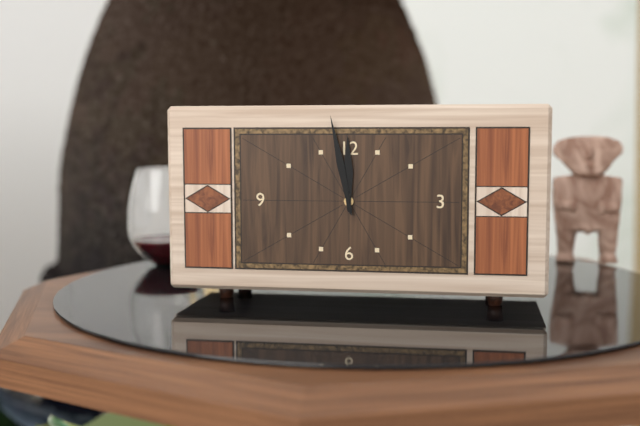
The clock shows 11.58
